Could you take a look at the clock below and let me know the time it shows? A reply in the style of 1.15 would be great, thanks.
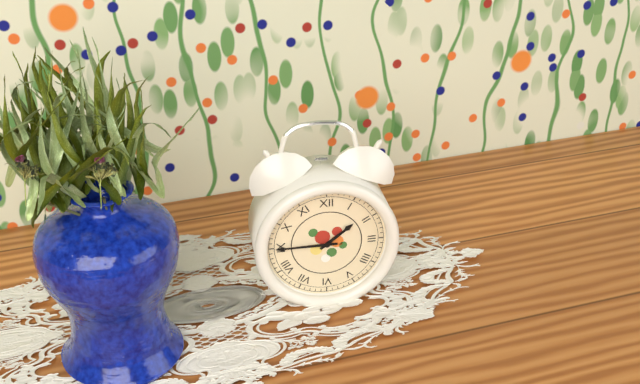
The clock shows 1.45
